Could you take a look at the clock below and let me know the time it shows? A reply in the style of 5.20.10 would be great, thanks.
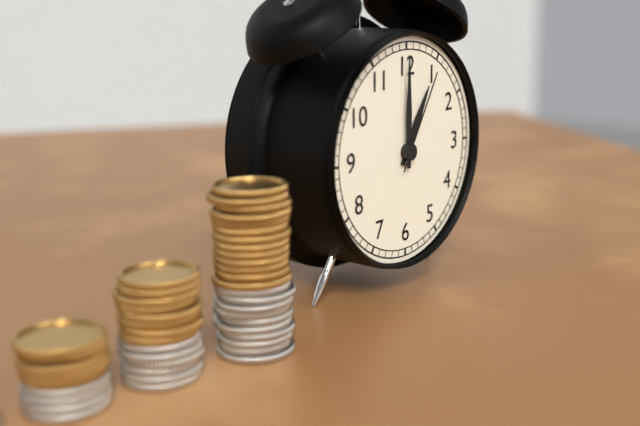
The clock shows 1.00.05
